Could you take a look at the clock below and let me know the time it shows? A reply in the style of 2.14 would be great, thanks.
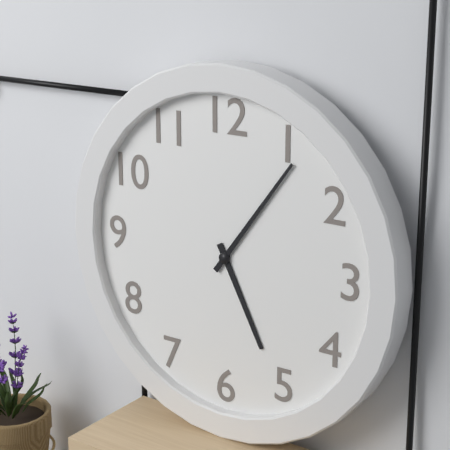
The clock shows 5.06
